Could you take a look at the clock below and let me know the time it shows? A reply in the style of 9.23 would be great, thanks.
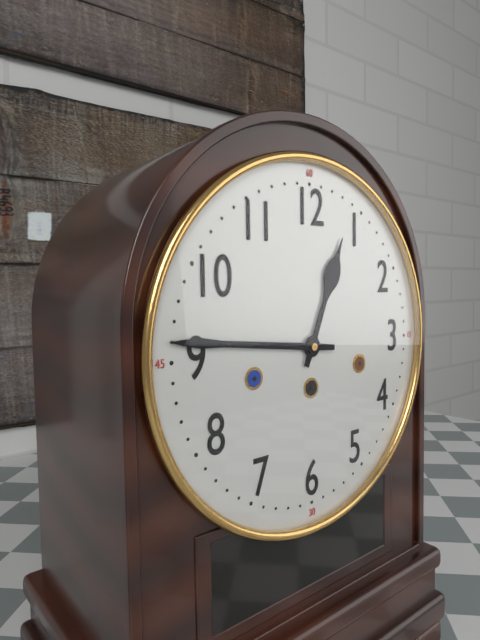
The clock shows 12.46
